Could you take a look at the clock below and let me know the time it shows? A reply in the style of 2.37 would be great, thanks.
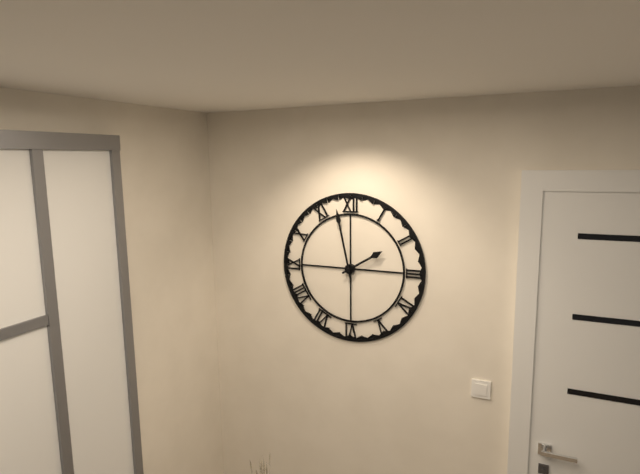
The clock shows 1.58
